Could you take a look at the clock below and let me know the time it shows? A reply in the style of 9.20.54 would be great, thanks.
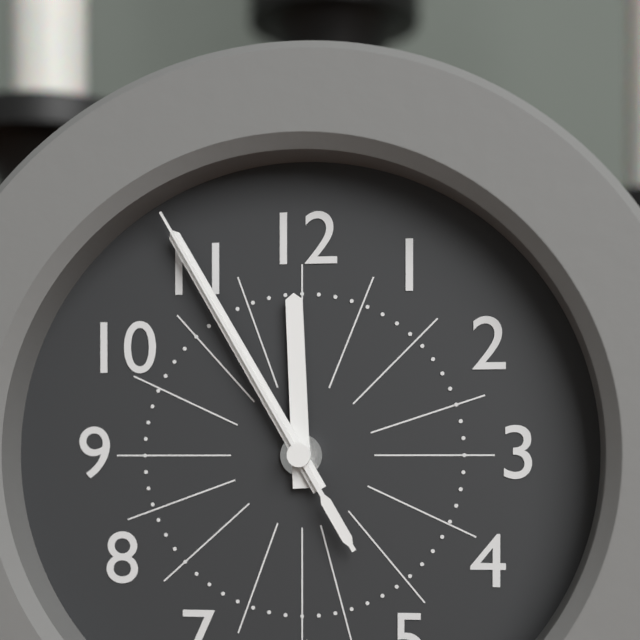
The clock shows 11.55.55
